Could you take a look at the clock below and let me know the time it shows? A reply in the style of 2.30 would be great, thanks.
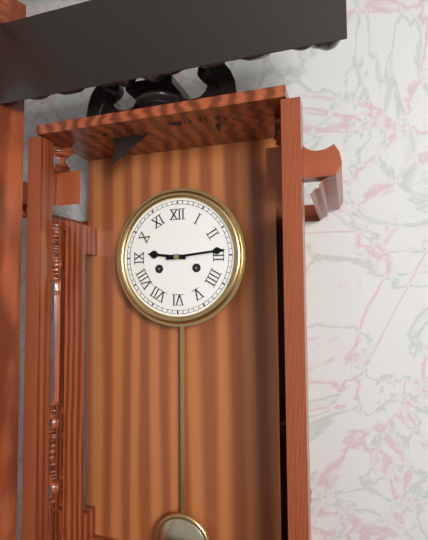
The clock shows 9.14
